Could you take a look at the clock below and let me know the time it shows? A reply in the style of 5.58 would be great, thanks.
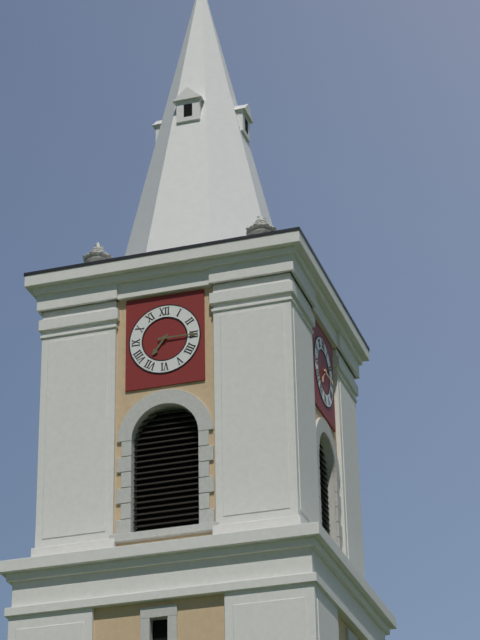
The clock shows 7.15
